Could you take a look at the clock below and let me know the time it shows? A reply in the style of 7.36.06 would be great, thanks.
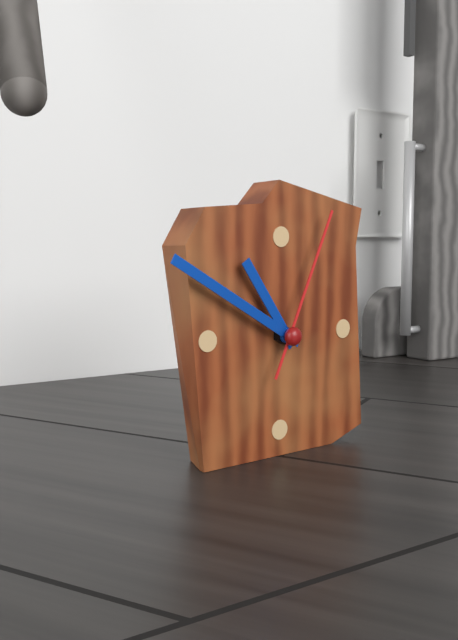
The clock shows 10.50.04
